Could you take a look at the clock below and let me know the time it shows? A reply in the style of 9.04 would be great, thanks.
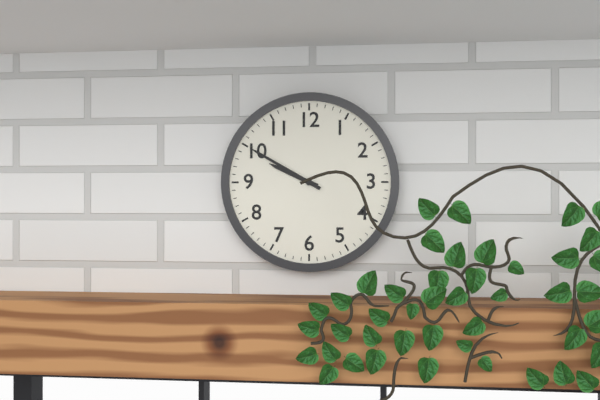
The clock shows 9.50
